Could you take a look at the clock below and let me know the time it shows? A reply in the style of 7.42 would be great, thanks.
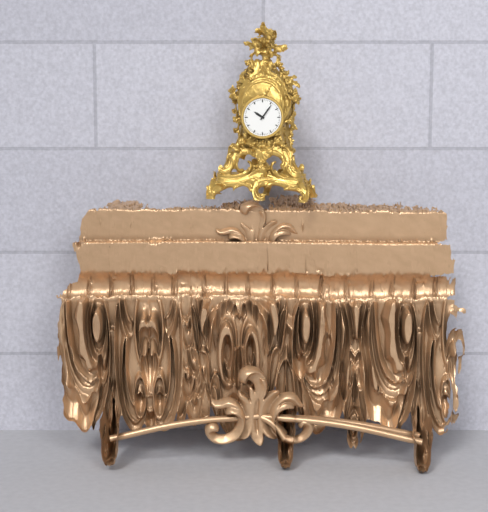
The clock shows 10.06
